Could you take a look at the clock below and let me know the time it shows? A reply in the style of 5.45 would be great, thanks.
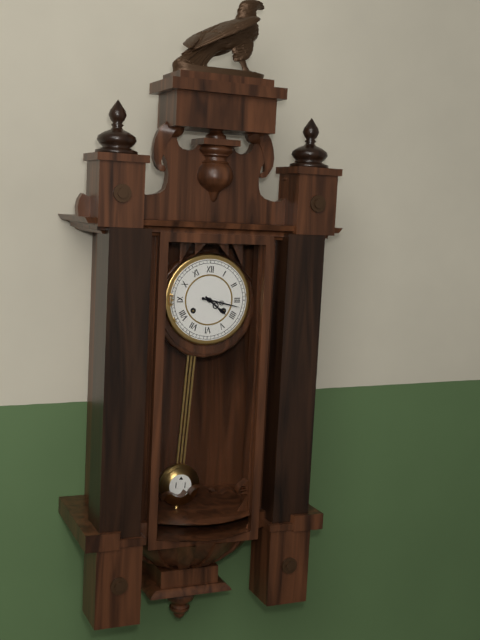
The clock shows 4.17
